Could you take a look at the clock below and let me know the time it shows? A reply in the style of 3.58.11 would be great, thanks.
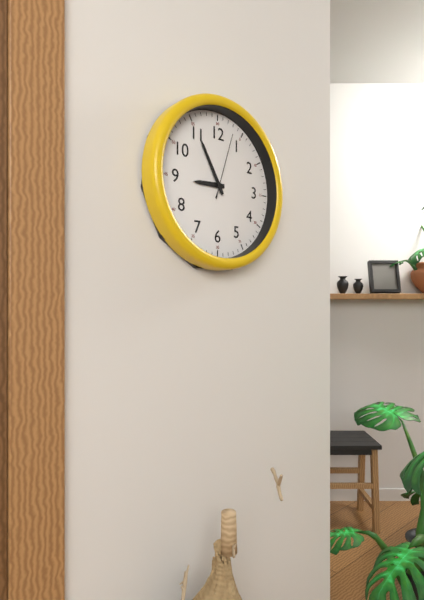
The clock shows 8.55.03
